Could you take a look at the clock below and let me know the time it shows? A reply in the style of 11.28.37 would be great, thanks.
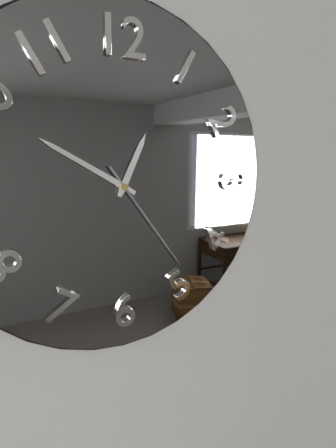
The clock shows 12.50.24
